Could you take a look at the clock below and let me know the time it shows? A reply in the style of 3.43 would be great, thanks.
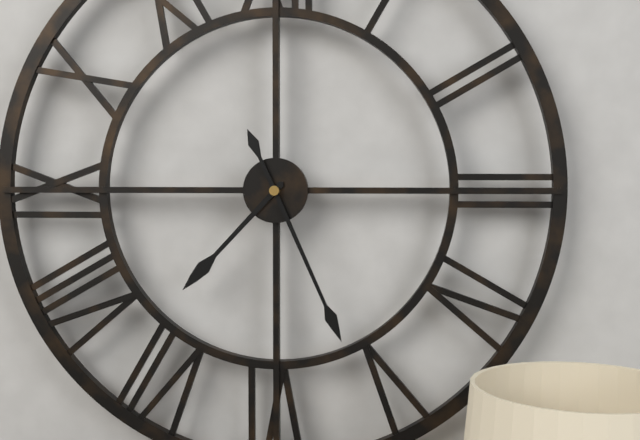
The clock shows 7.26
